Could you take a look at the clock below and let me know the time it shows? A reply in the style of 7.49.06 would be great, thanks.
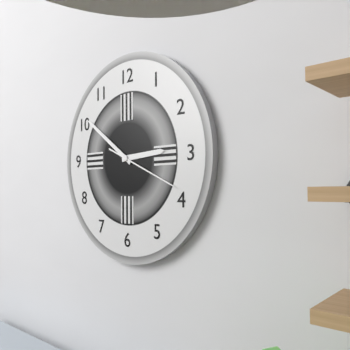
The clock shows 2.51.19
